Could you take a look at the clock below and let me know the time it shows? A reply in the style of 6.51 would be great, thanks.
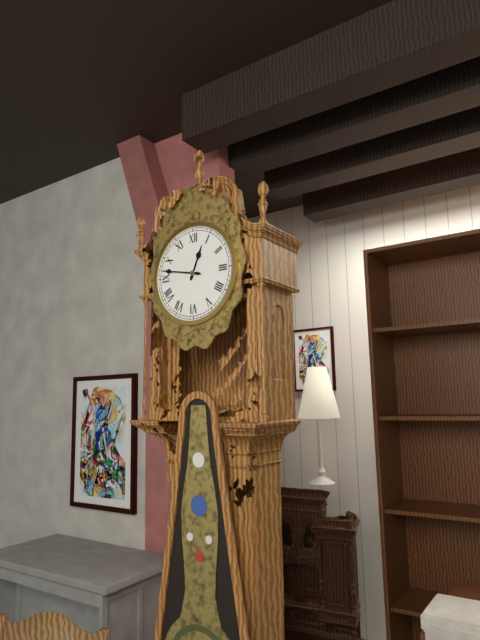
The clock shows 12.47
